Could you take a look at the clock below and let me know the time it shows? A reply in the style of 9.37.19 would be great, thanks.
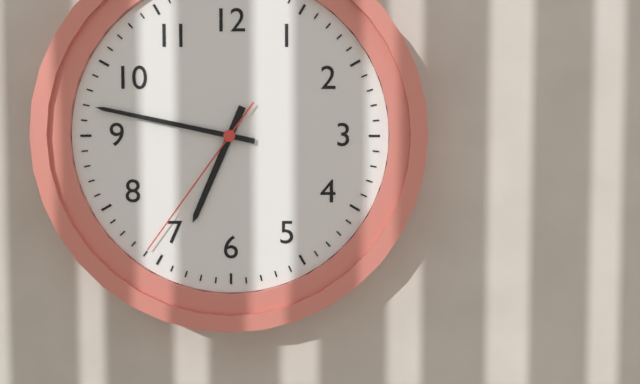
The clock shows 6.47.36
